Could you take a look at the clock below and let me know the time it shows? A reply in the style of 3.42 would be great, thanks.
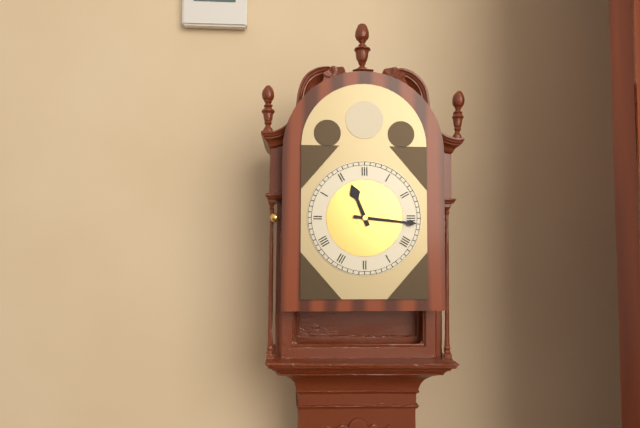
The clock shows 11.16
